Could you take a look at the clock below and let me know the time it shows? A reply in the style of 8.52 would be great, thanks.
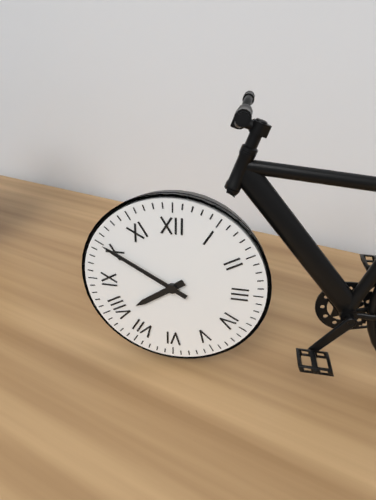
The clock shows 7.50
